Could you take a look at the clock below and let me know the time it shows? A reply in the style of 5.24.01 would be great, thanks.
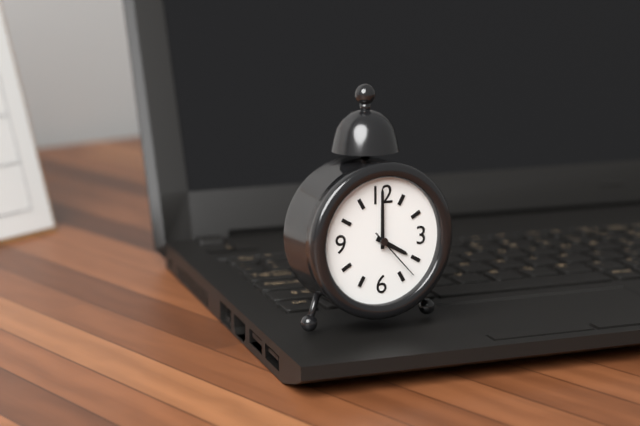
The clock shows 4.00.23
